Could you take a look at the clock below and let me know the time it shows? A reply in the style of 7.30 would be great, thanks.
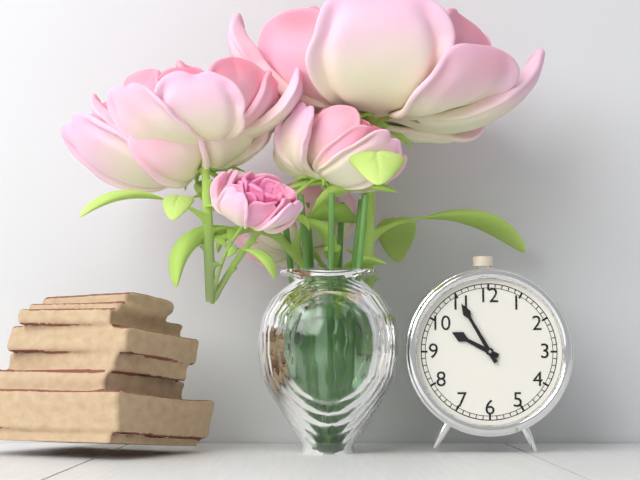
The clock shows 9.55
